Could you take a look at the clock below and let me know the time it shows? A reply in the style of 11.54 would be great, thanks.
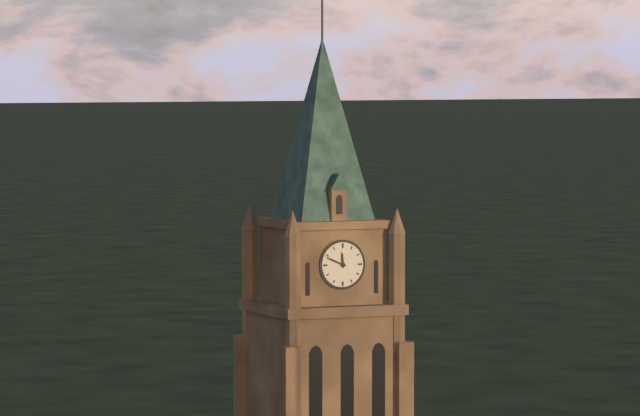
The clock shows 11.49
